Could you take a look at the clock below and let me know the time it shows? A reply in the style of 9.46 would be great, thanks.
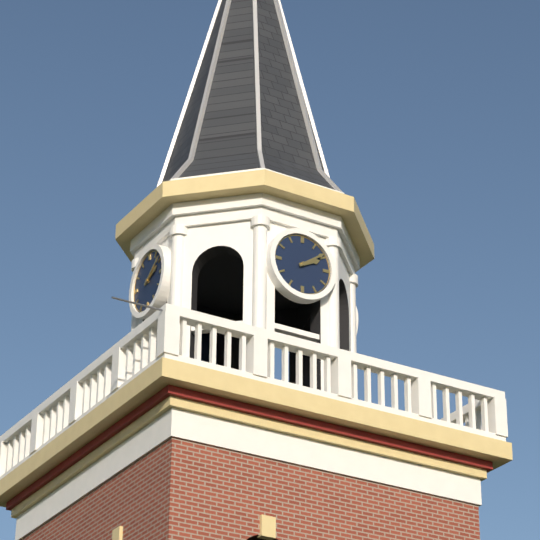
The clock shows 2.09
